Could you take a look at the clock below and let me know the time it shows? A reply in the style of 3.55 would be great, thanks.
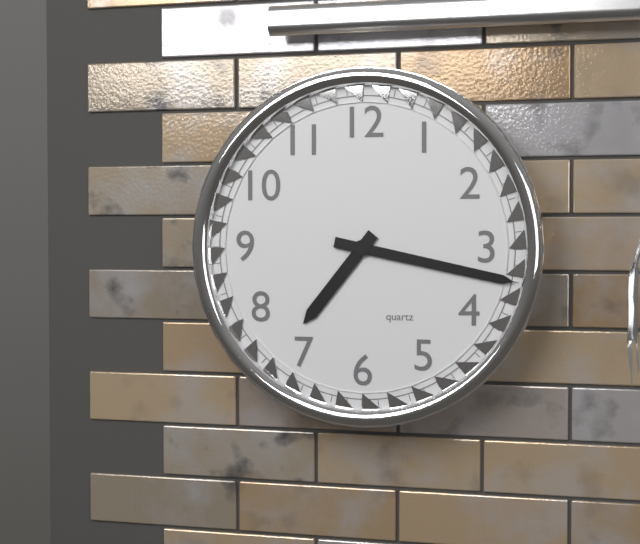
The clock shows 7.17
